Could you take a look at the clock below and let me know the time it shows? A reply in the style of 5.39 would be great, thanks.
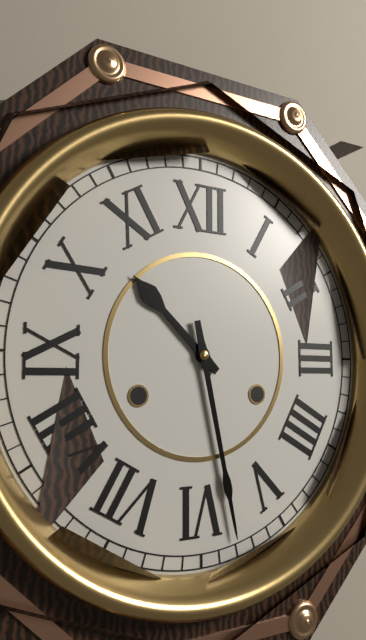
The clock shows 10.28
